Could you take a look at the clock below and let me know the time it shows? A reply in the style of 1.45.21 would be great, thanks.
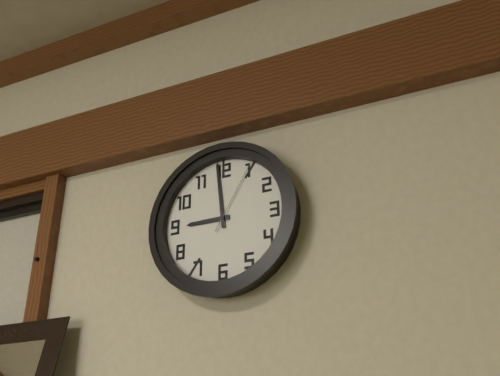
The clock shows 8.59.05
